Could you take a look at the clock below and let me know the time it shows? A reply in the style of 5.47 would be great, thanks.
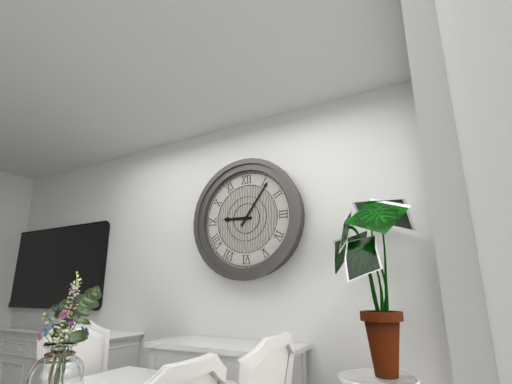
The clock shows 9.06
